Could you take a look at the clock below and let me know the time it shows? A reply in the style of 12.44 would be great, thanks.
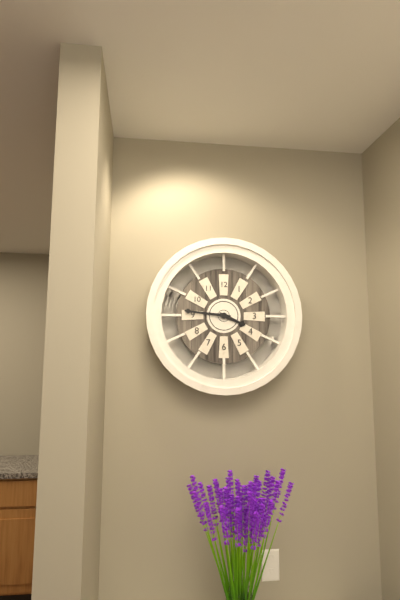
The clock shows 3.46
